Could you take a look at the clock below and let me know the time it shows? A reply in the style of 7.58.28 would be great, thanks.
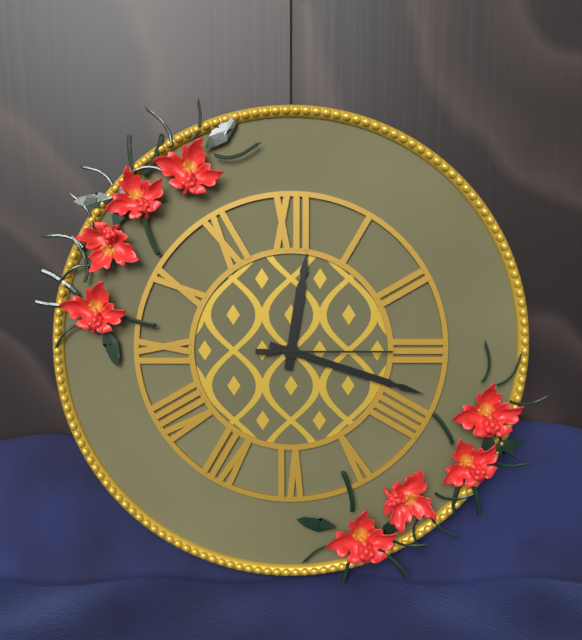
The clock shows 12.18.15
